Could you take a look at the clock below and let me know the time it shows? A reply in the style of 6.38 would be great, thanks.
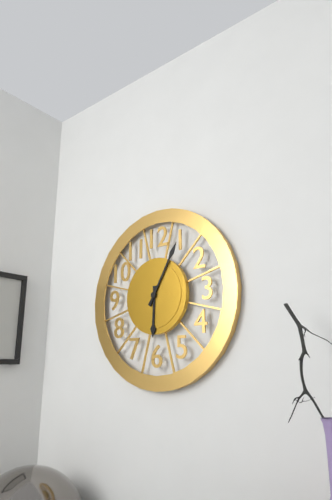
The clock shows 6.05
